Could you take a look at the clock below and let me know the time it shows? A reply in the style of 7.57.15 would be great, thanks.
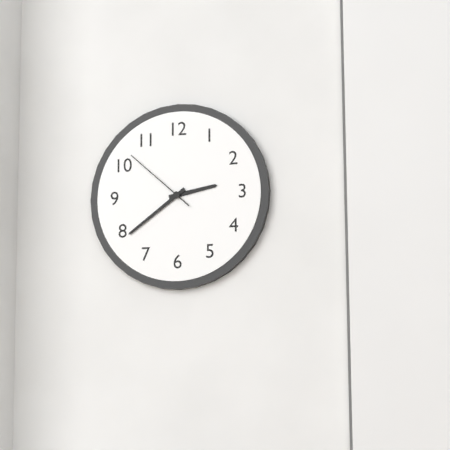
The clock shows 2.39.52
